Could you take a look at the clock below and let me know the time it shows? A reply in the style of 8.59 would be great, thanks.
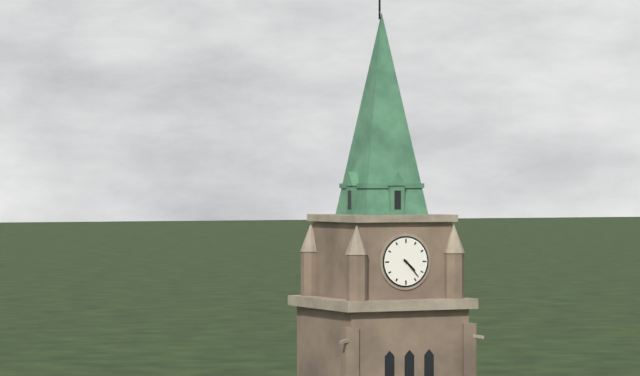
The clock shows 4.23
